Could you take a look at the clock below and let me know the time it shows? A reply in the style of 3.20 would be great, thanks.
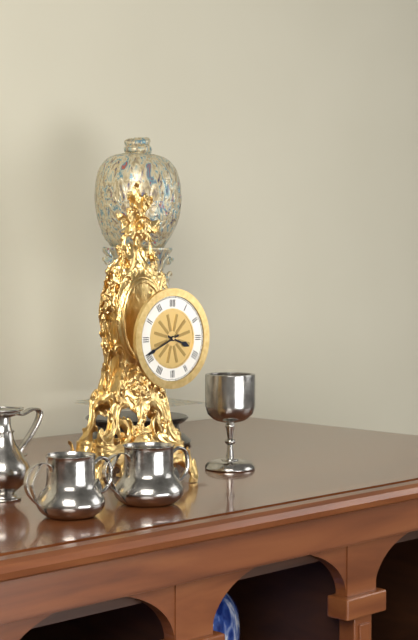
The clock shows 3.41
